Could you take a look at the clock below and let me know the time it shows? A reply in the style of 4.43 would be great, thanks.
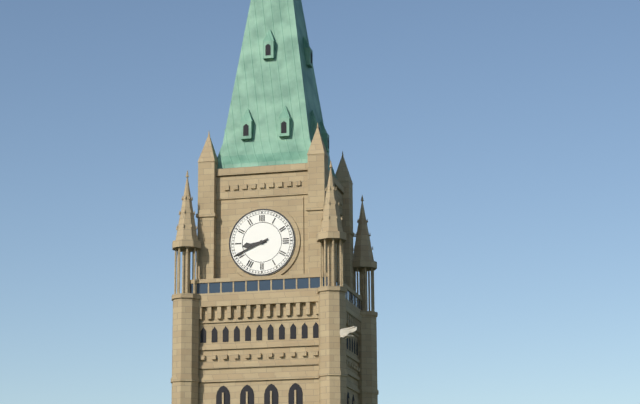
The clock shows 8.41
